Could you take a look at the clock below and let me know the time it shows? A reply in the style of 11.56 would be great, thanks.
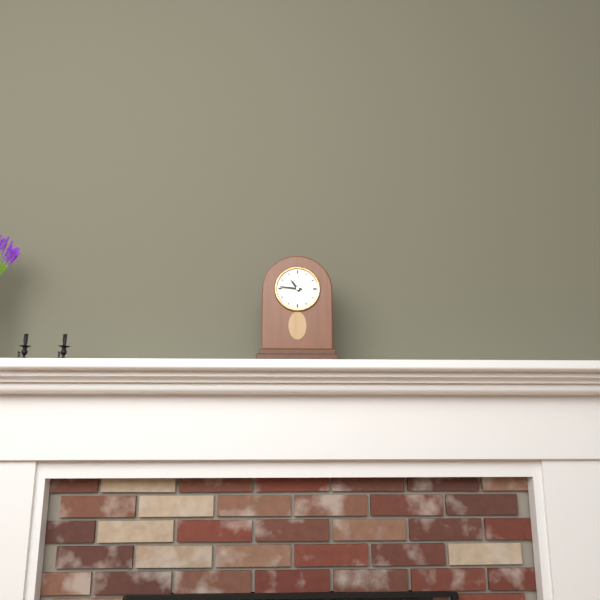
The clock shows 10.46
